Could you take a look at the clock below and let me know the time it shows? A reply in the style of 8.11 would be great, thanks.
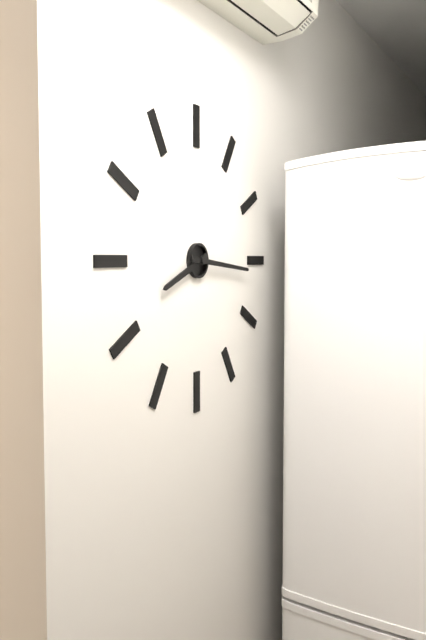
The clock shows 8.16
